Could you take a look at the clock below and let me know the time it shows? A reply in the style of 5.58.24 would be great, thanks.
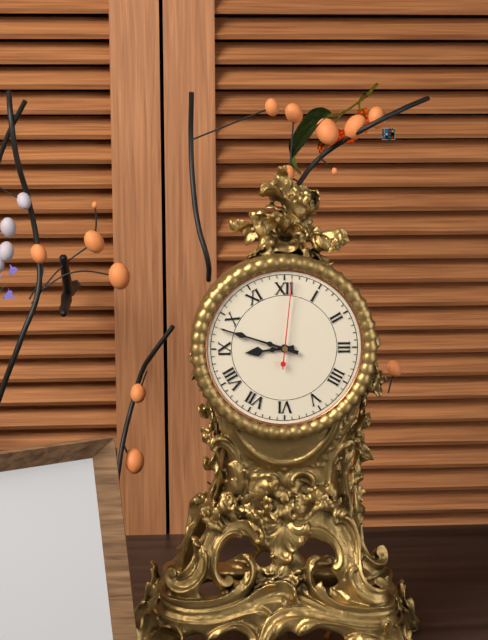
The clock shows 8.48.01
